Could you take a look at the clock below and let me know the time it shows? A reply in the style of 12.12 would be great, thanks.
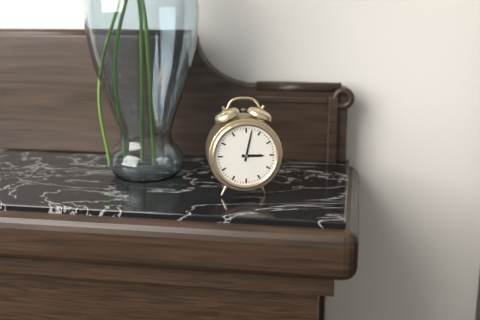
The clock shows 3.02
